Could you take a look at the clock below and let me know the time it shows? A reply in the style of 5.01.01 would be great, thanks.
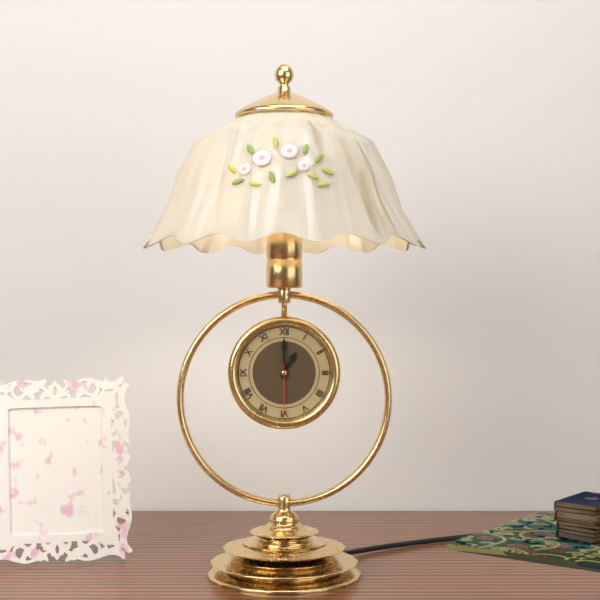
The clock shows 1.00.30
